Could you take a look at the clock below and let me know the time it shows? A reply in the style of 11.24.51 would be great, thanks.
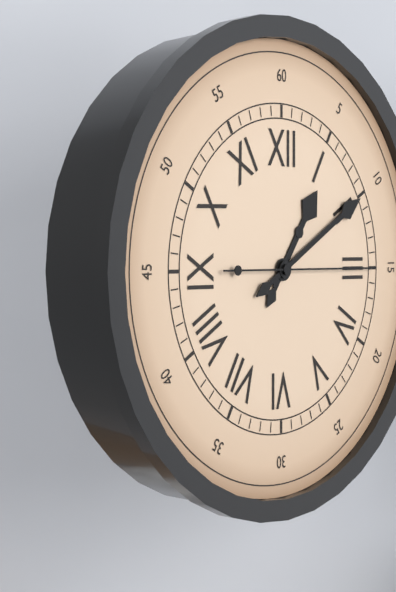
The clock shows 1.10.15
